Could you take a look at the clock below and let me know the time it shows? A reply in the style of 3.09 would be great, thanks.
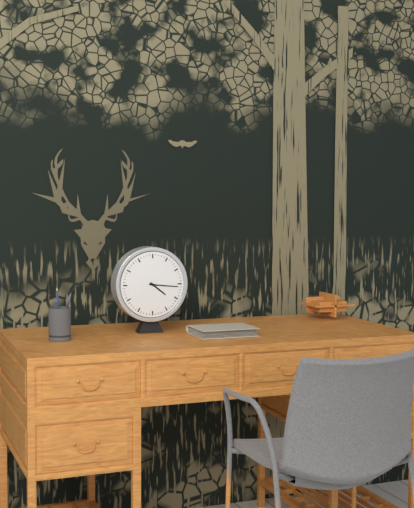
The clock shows 4.16
